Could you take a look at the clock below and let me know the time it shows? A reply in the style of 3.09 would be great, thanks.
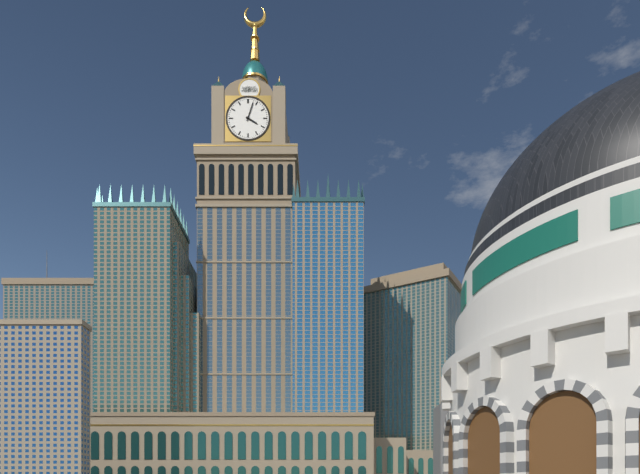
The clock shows 4.03
